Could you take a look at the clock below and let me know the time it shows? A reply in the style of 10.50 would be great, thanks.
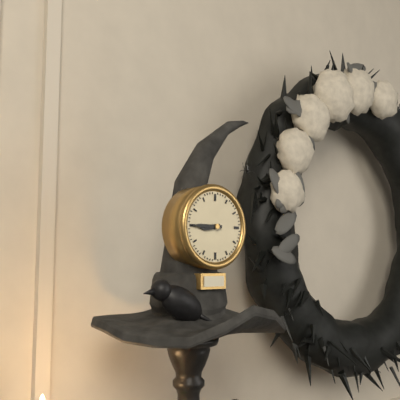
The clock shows 8.45
